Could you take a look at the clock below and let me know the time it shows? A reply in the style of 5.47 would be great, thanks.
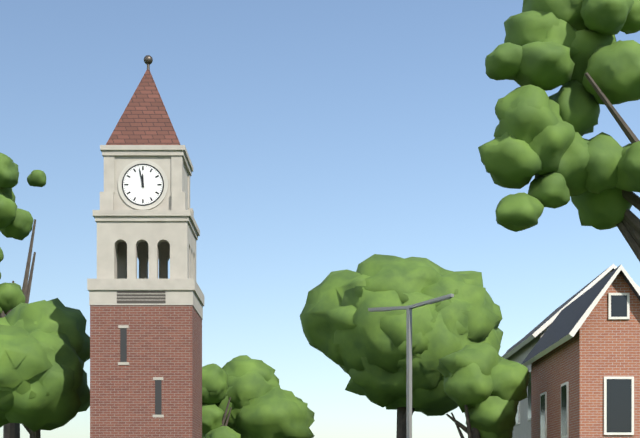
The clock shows 11.58
